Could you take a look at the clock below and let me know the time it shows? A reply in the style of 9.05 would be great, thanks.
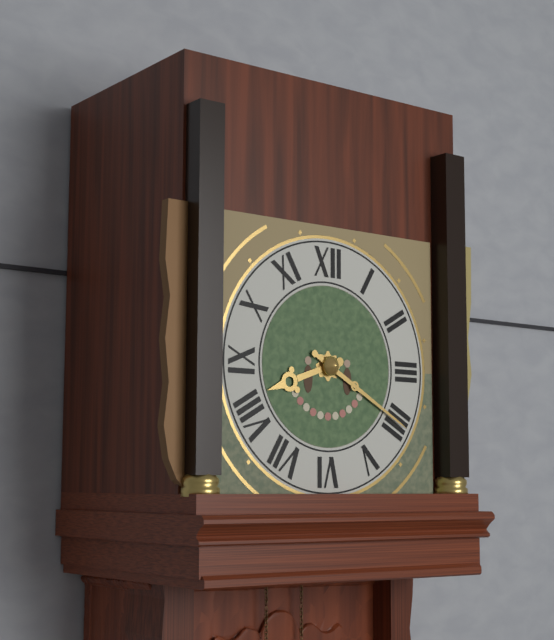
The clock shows 8.20
